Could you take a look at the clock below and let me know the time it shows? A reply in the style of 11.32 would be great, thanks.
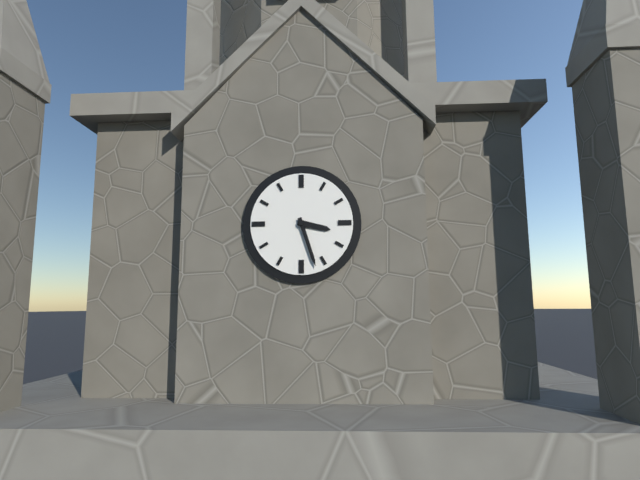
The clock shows 3.27
